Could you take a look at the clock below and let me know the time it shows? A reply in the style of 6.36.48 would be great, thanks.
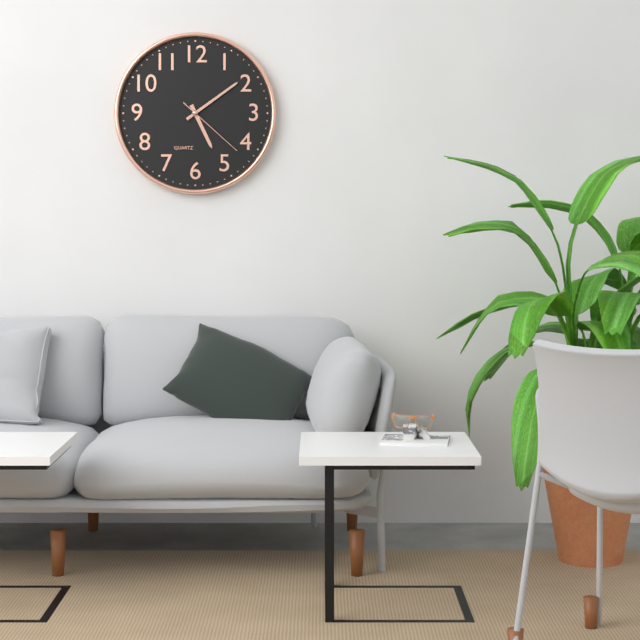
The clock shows 5.09.22
